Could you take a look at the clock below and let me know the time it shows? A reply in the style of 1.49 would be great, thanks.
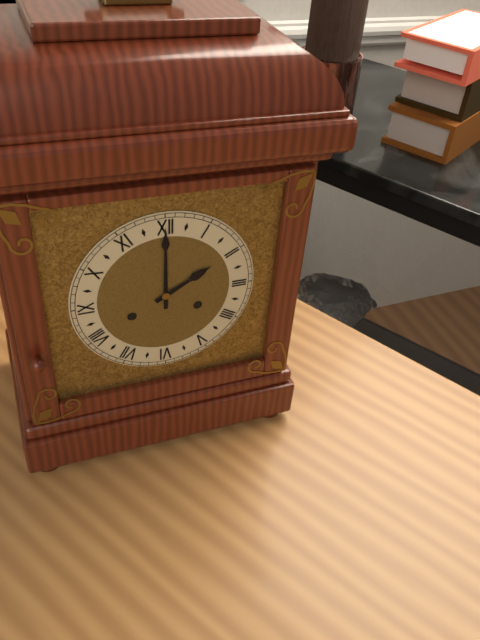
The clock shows 2.00
